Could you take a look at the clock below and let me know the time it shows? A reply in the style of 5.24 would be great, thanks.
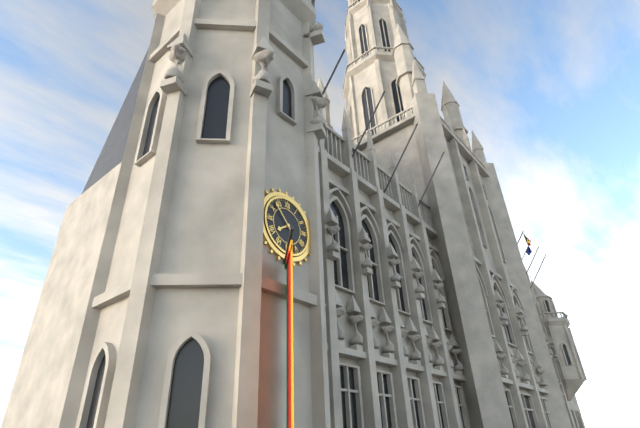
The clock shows 7.53
